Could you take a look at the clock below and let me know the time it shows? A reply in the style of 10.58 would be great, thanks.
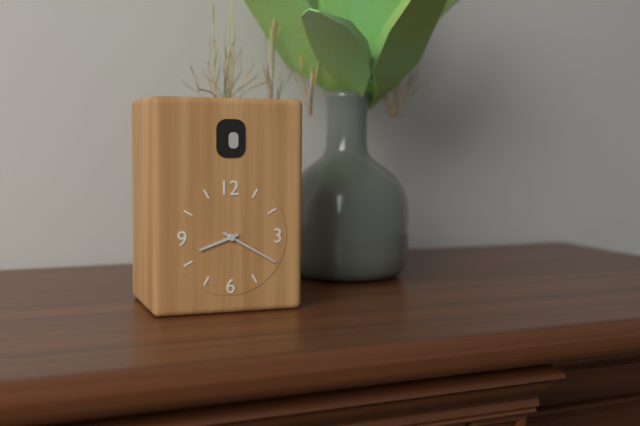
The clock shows 8.20
